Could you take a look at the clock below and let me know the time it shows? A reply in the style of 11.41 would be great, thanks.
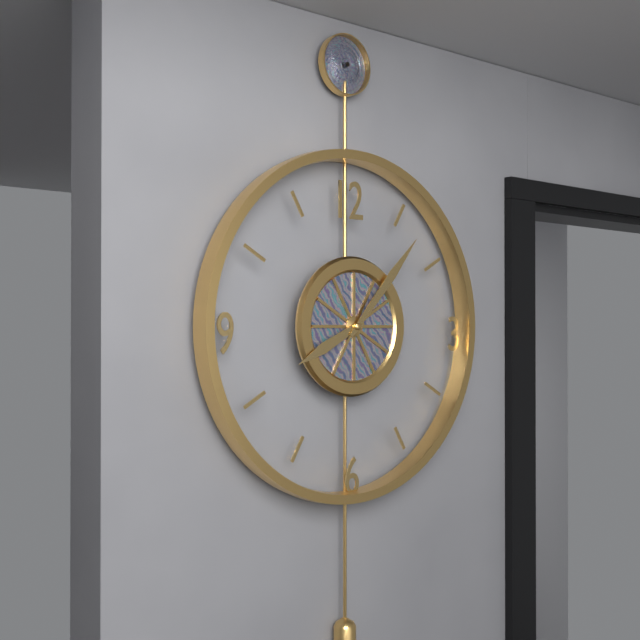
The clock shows 8.07
